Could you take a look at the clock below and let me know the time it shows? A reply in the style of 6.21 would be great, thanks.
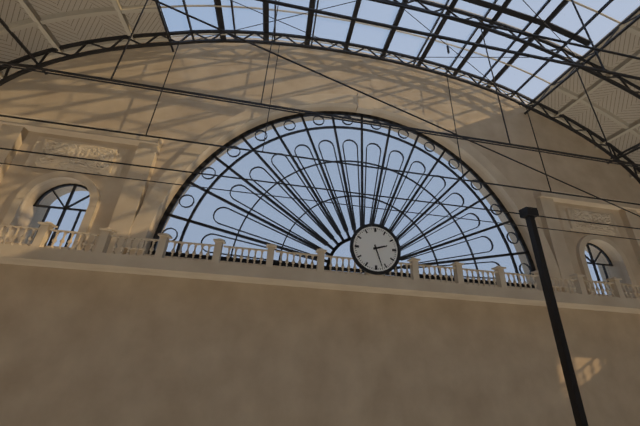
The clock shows 2.27
